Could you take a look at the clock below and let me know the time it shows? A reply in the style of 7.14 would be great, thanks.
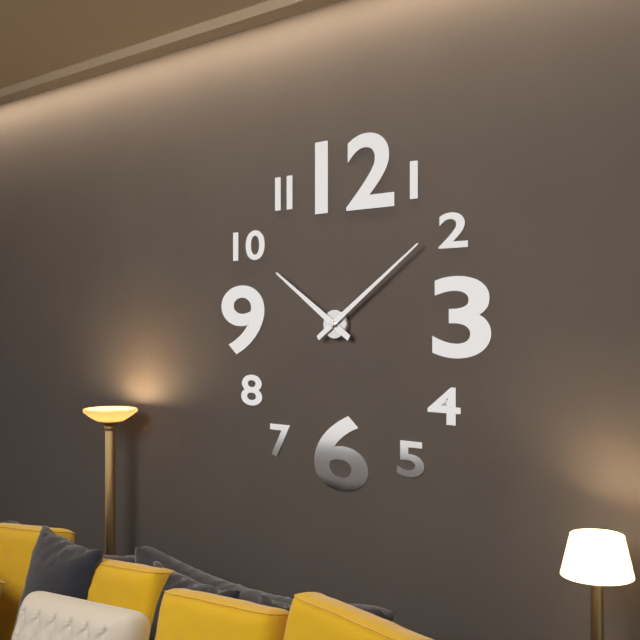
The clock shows 10.09
